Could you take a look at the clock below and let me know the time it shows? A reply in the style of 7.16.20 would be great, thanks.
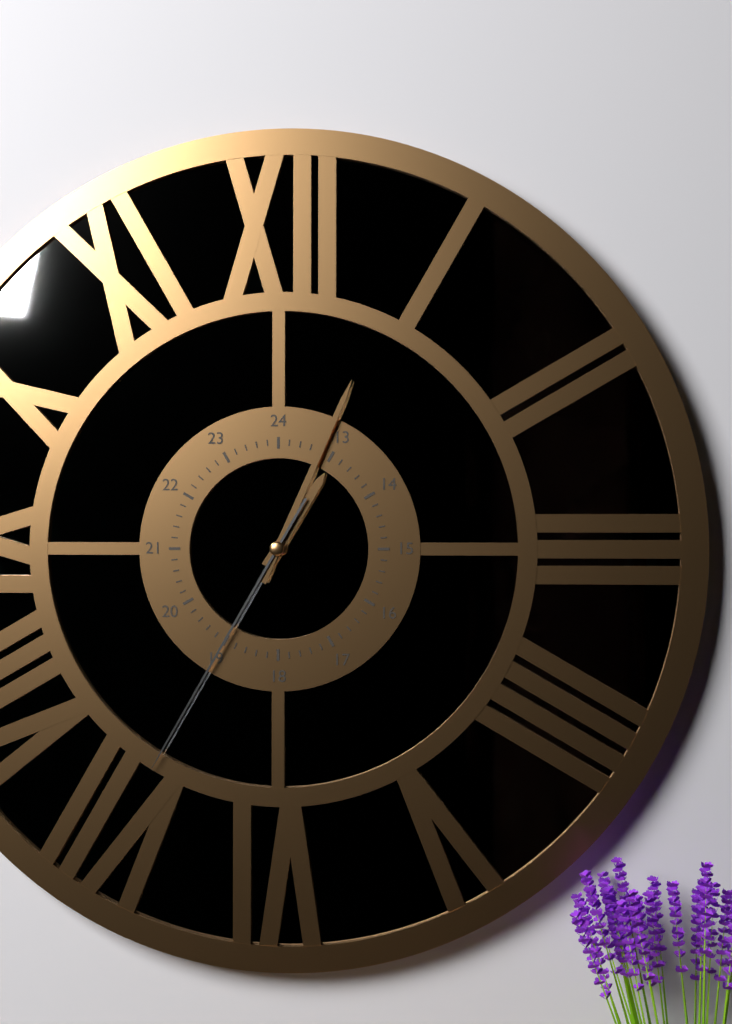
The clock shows 1.04.35
